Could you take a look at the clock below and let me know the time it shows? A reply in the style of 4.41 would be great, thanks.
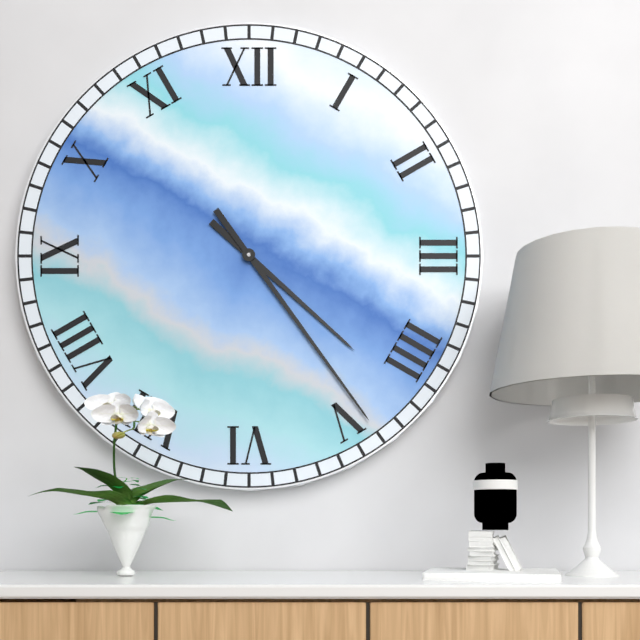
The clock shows 4.24
